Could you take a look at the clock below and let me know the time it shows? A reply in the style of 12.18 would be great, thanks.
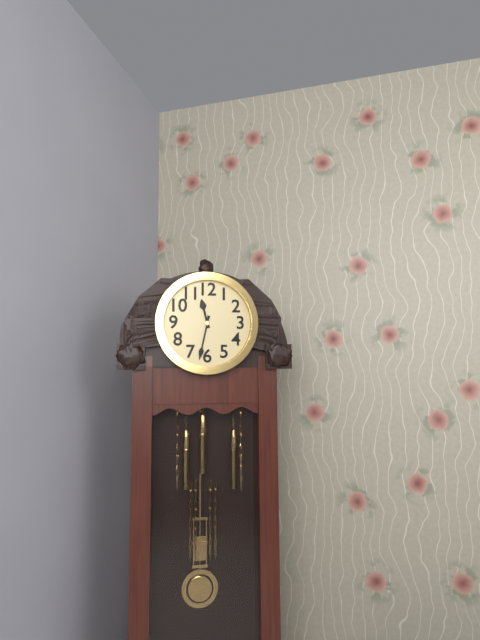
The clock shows 11.32
